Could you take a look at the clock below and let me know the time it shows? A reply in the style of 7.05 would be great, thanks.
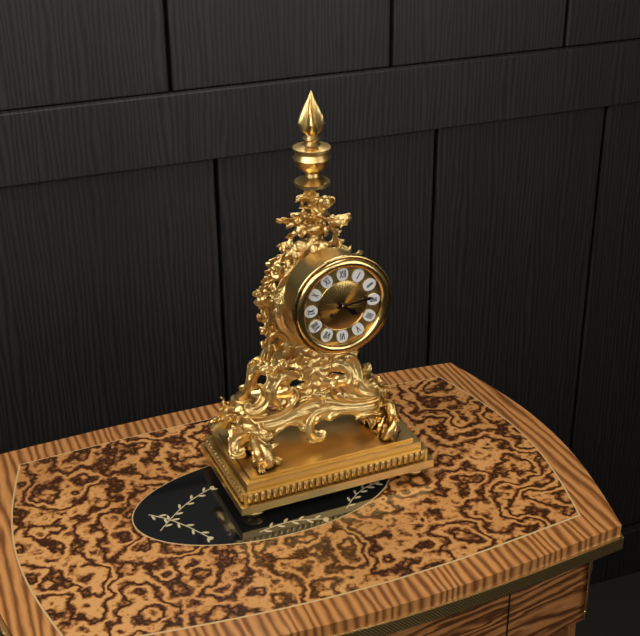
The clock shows 4.14
